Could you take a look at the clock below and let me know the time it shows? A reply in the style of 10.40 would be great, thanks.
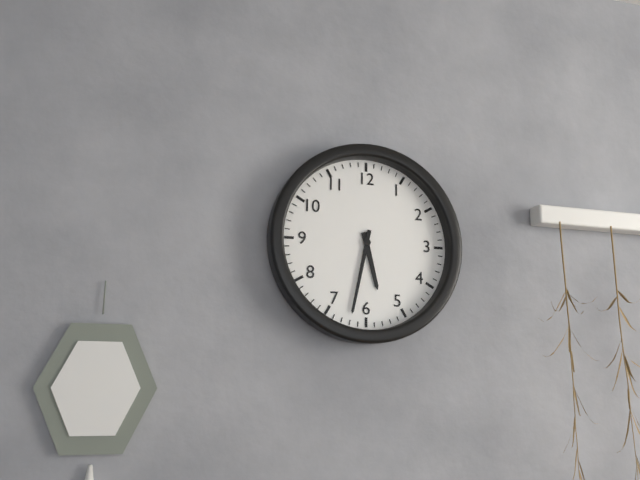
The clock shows 5.32
